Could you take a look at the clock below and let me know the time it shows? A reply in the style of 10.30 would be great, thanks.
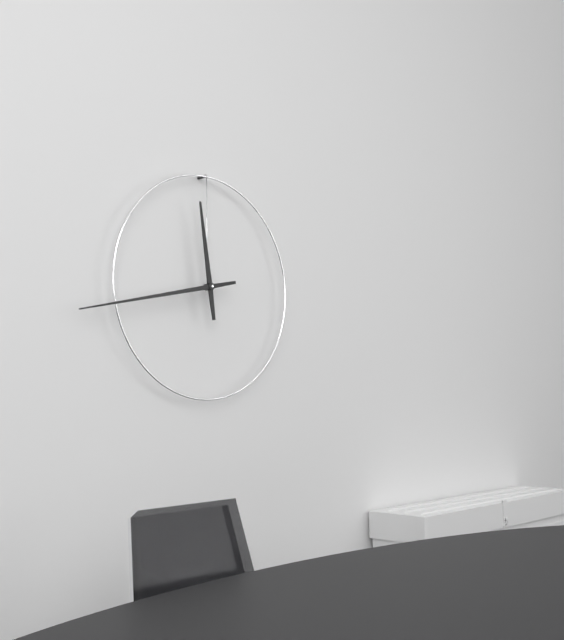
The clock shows 11.43
